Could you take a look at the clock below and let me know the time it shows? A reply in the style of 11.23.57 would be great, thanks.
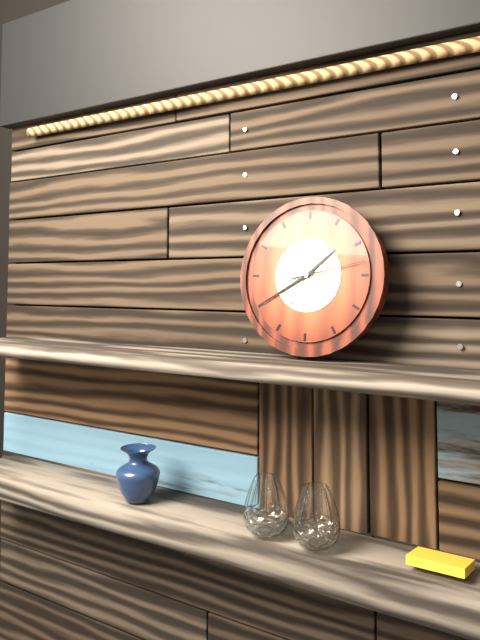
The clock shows 1.40.13
